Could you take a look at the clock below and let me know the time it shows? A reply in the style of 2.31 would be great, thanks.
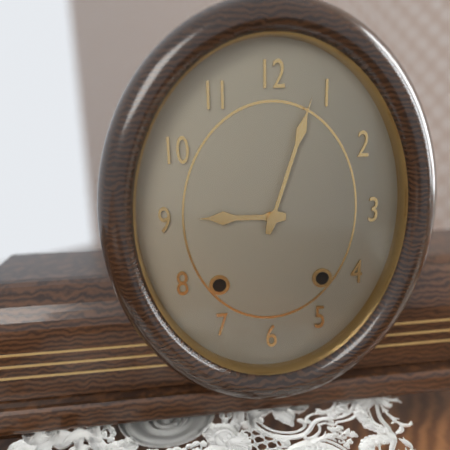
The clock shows 9.03
